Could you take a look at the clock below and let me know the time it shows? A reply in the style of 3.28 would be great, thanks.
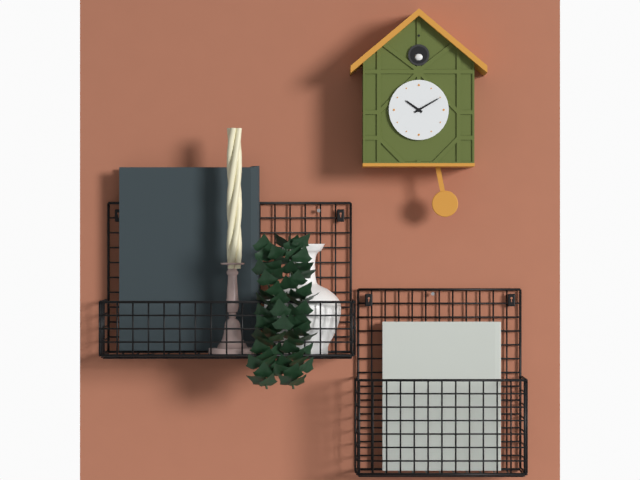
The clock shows 10.10
